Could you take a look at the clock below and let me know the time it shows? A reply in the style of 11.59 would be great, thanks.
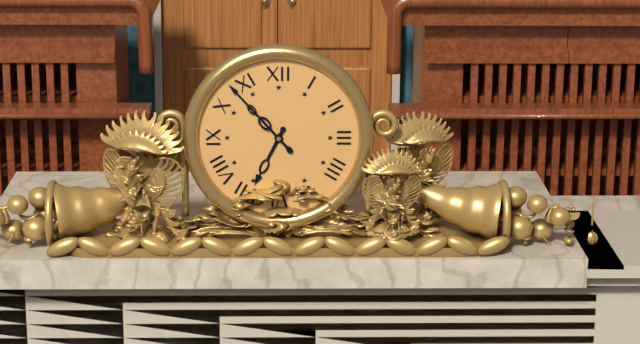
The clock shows 6.53
